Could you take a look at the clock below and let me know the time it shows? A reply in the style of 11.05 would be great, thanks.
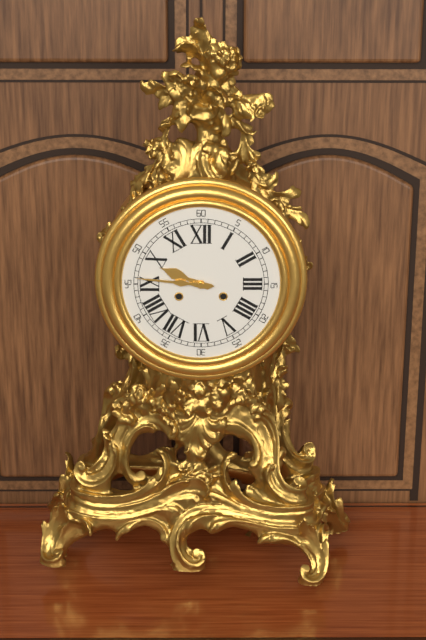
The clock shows 9.46
